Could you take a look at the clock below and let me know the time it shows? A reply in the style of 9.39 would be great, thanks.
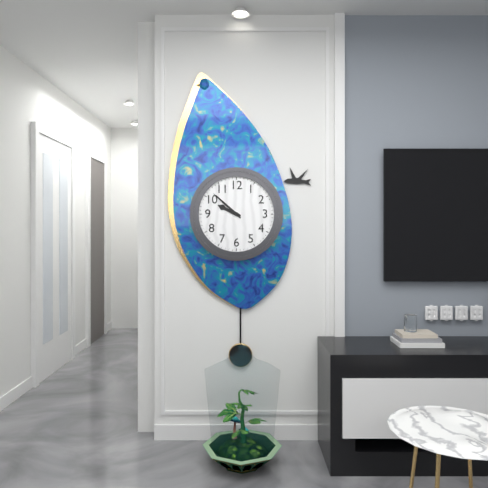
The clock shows 9.52
